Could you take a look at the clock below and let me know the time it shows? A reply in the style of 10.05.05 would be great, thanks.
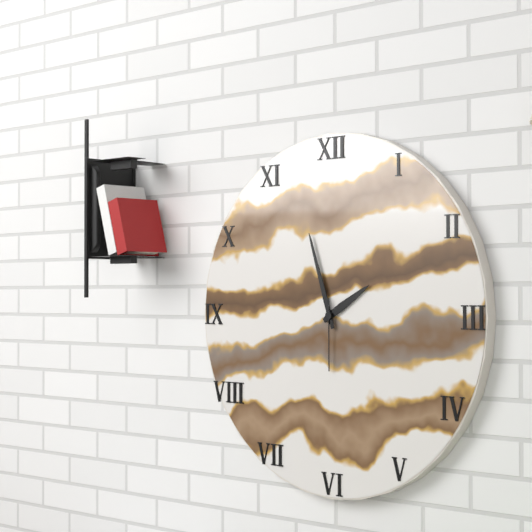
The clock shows 1.57.30
